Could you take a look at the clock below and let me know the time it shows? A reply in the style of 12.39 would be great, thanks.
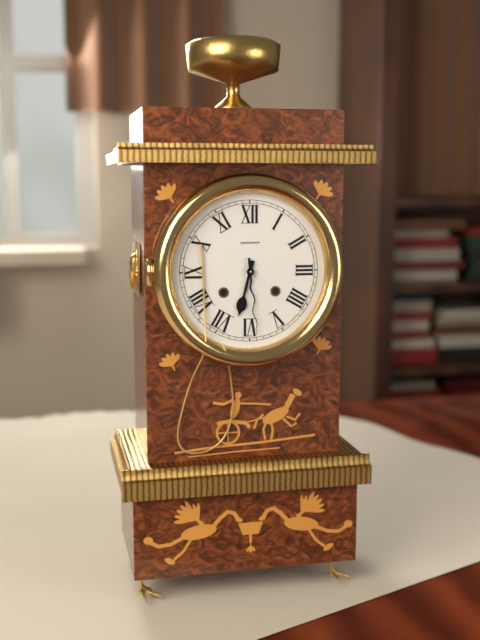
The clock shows 6.29
